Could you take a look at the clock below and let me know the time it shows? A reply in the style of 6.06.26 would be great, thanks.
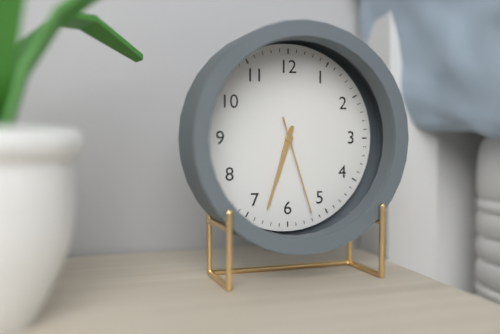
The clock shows 6.33.27
